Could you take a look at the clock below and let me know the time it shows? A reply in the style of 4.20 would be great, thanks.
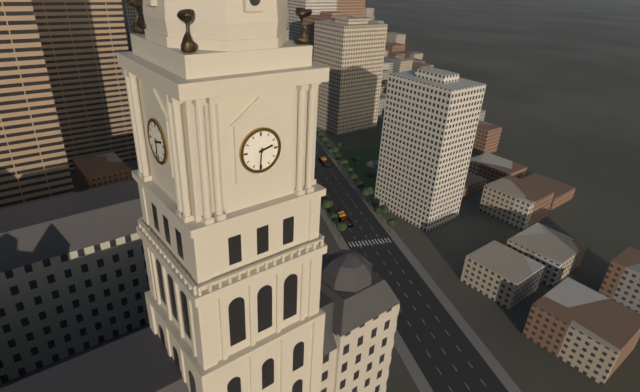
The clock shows 2.31
